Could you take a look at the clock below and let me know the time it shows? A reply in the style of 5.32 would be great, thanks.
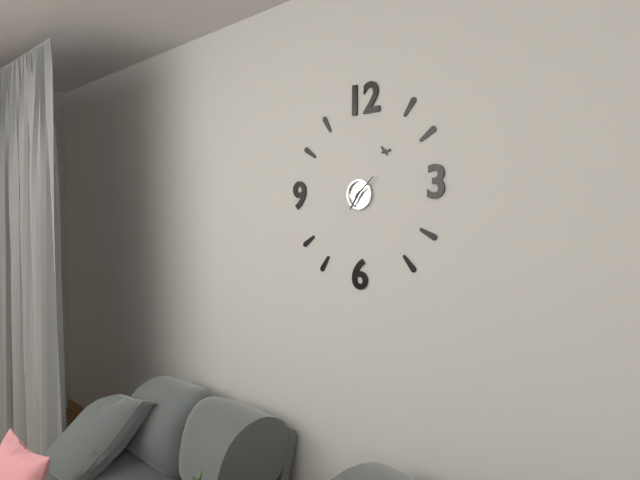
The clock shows 7.08
